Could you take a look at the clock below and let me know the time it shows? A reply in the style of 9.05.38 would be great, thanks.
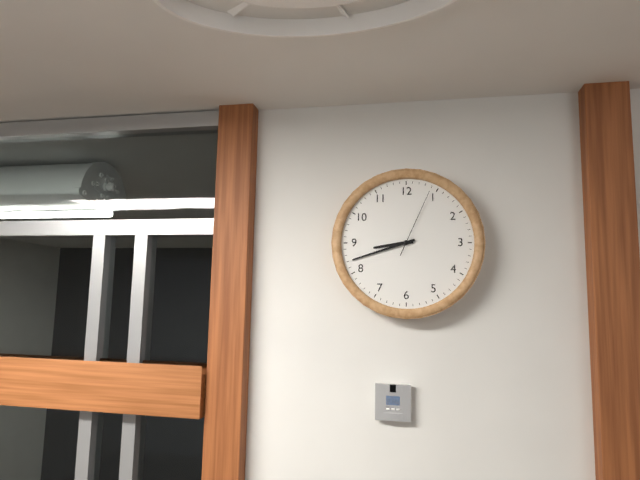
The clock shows 8.42.04
